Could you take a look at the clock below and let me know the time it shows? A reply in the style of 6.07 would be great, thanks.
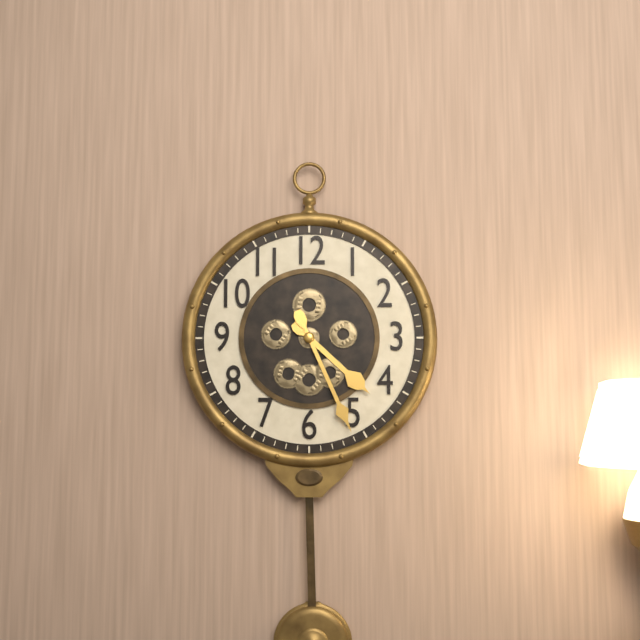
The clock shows 4.26
